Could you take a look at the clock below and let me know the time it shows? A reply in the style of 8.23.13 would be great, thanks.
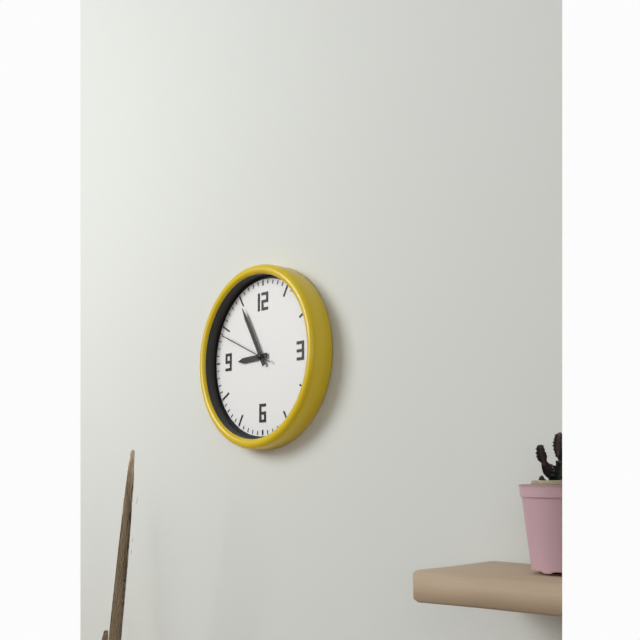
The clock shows 8.55.49
